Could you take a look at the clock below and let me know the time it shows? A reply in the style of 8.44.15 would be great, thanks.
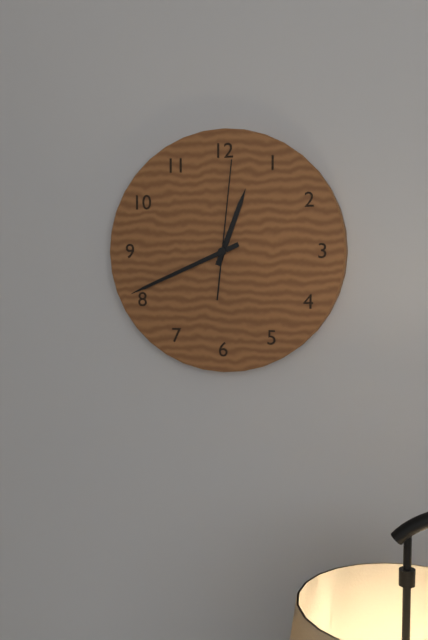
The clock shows 12.41.01
